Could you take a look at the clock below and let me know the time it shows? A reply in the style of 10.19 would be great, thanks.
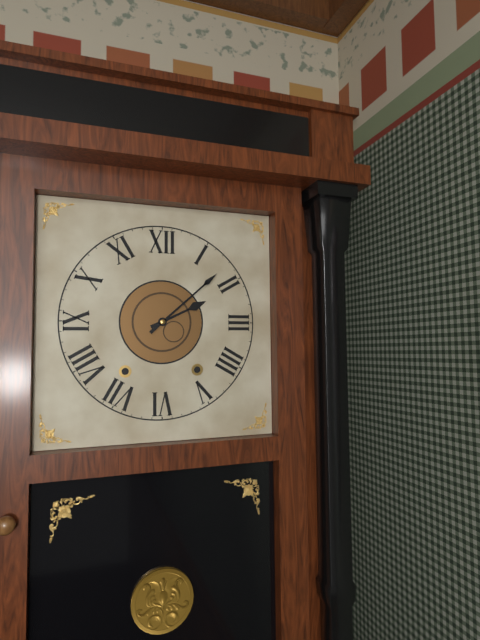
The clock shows 2.08
